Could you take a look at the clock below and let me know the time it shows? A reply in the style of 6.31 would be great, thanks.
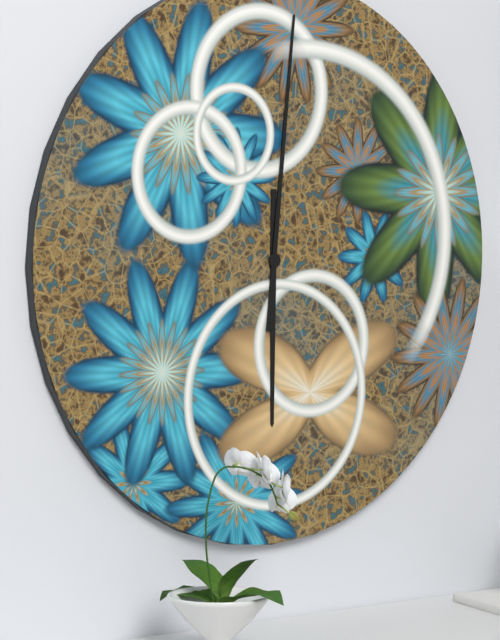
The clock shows 6.01
